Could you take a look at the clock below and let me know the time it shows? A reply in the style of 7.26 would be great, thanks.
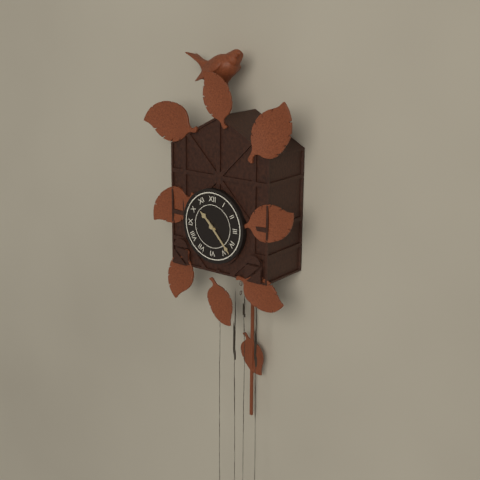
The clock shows 10.23
